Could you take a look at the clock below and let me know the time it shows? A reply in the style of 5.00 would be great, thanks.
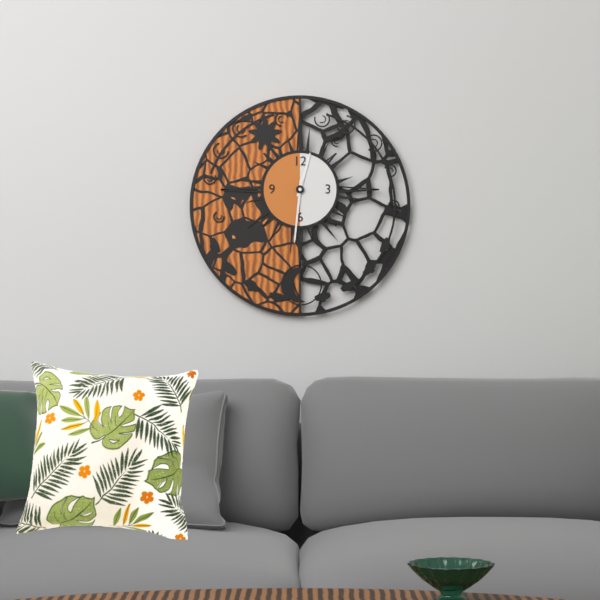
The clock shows 12.31
